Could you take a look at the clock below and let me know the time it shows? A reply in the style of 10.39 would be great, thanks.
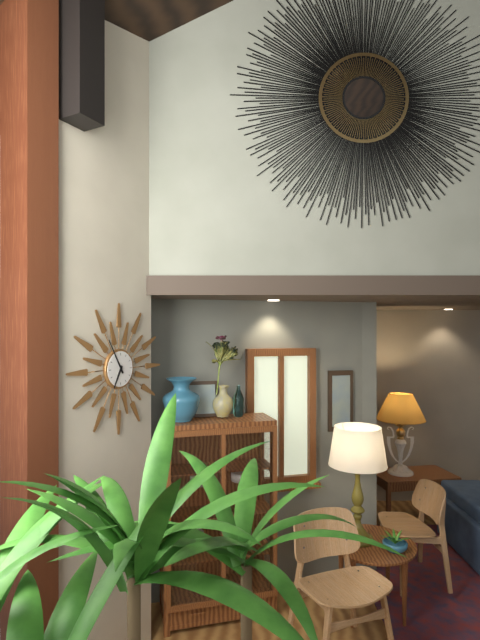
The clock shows 6.55
